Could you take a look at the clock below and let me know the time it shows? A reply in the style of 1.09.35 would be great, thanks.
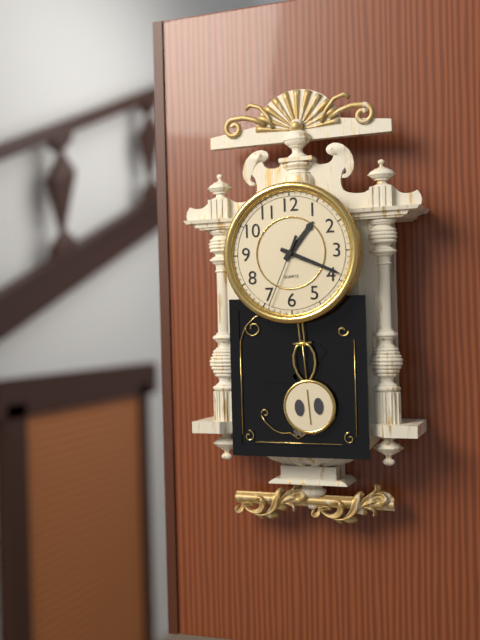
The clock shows 1.19.34
